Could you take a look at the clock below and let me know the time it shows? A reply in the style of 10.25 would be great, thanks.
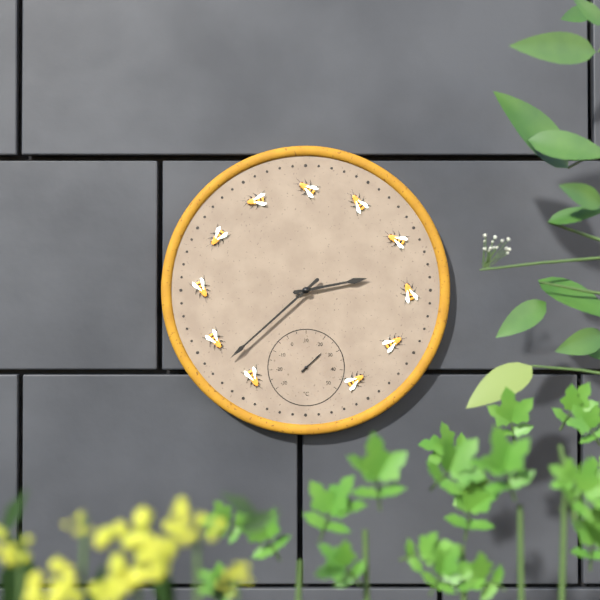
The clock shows 2.38
